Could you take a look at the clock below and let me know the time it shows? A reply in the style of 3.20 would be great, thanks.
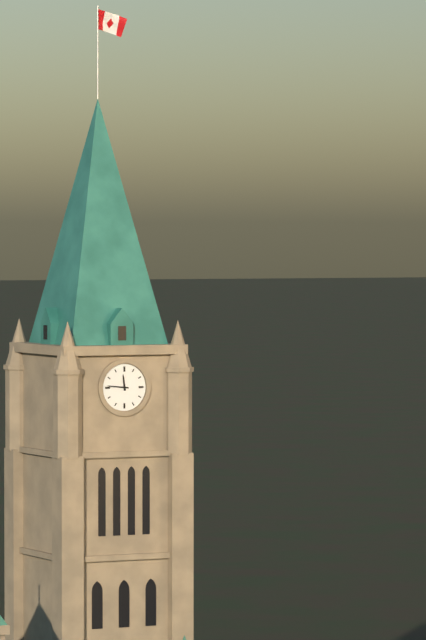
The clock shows 11.46
